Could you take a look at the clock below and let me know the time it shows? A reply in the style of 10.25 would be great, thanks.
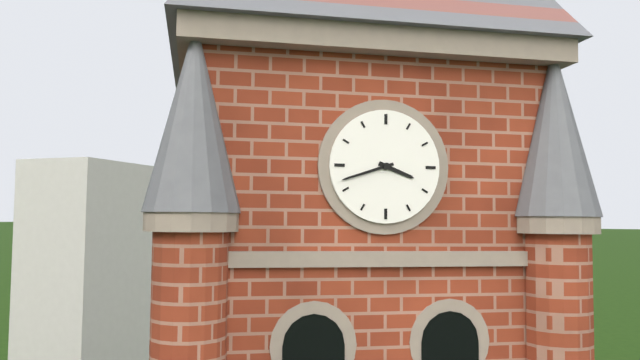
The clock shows 3.42
